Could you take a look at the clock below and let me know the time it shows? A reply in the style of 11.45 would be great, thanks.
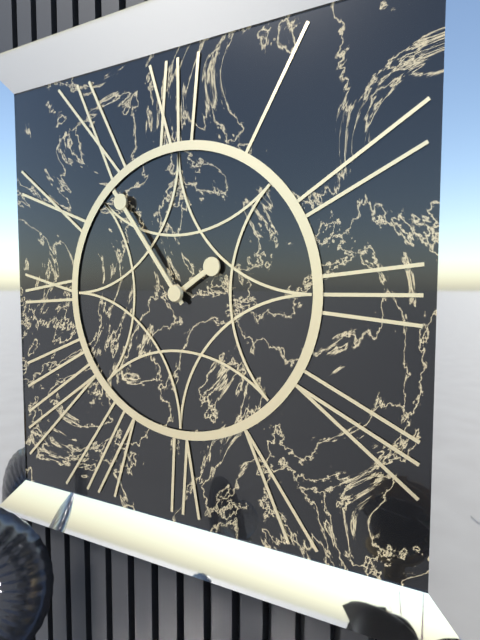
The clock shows 1.54
